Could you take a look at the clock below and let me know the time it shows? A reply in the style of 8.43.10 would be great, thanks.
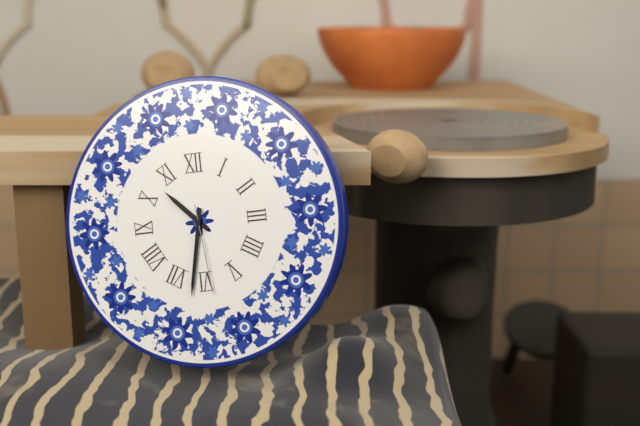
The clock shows 10.32.29
